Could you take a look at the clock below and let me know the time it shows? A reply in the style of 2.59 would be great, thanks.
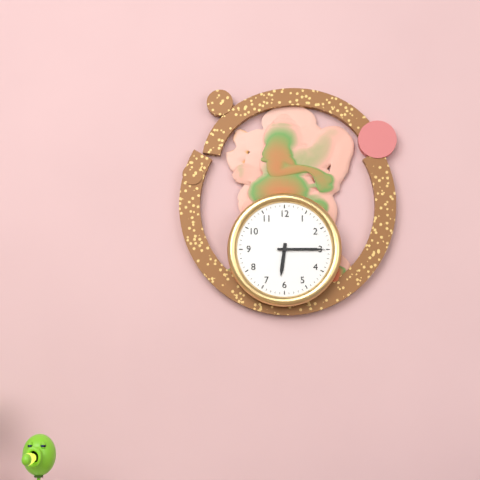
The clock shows 6.15
